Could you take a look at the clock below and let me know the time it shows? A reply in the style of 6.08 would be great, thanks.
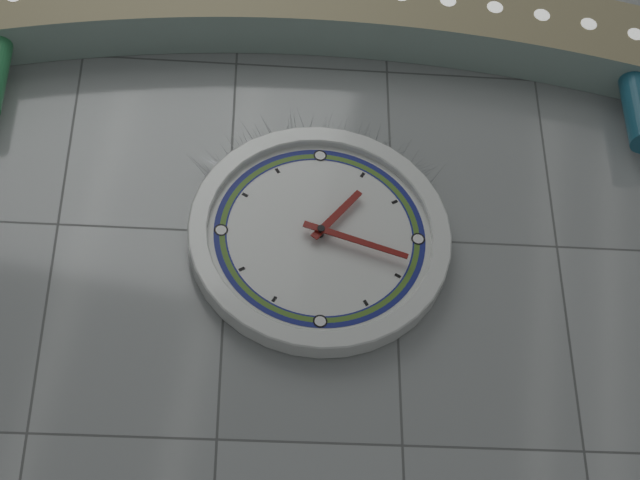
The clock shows 1.18
